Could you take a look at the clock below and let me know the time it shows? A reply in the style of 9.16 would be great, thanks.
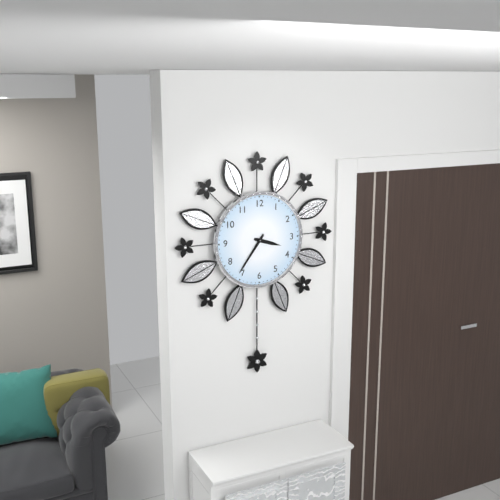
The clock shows 3.36
